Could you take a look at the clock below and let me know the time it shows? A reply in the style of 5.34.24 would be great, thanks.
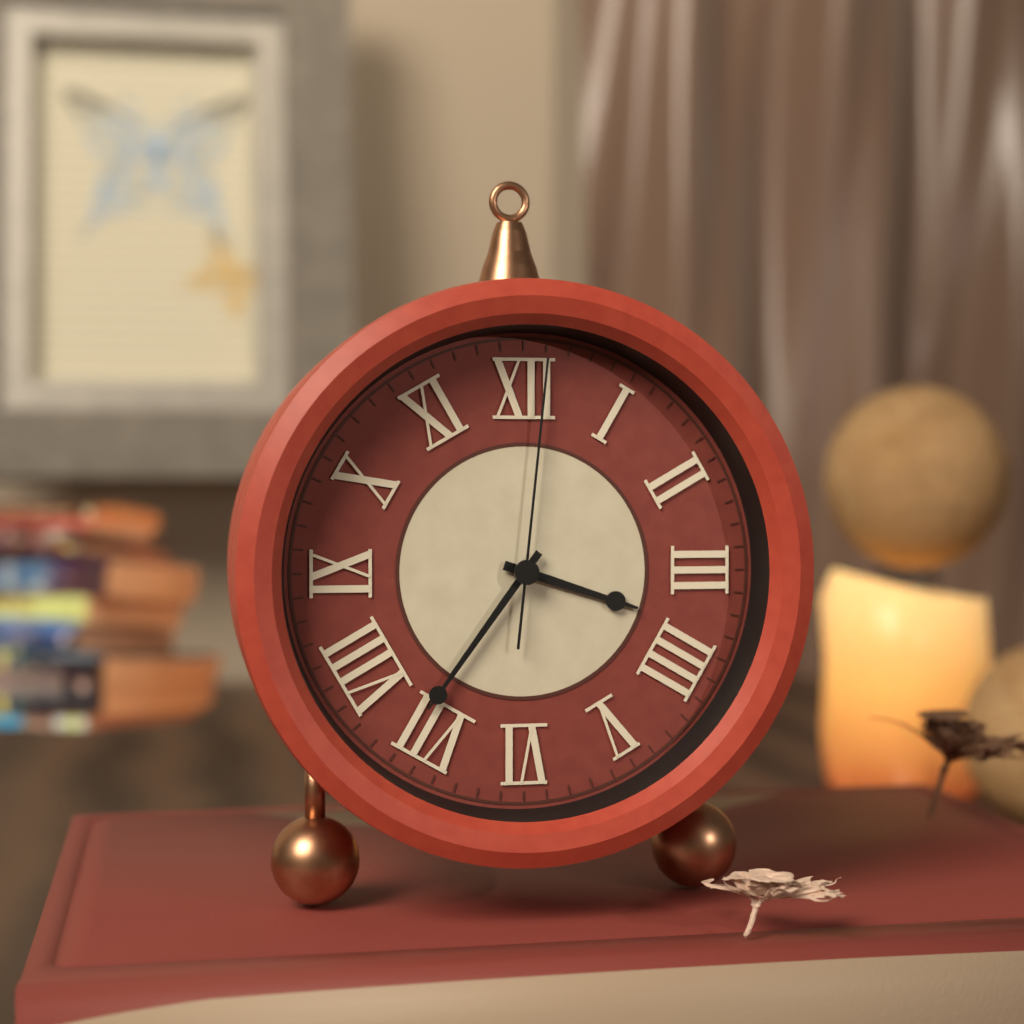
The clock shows 3.36.01
